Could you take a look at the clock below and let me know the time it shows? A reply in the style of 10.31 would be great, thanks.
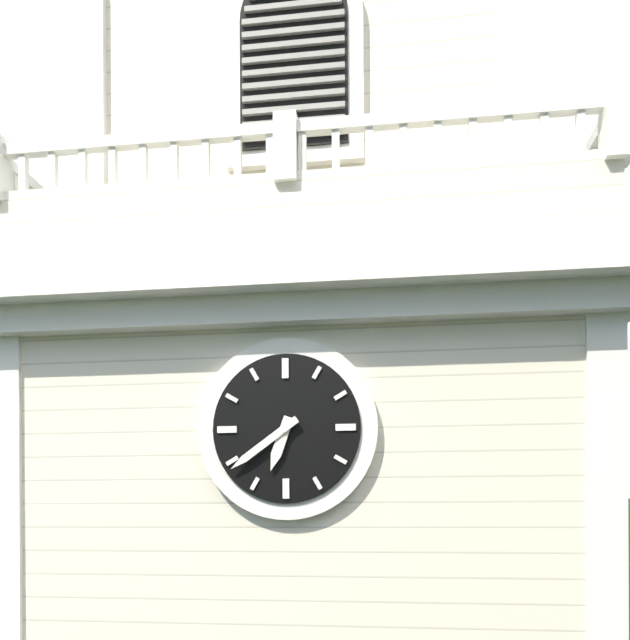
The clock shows 6.39
